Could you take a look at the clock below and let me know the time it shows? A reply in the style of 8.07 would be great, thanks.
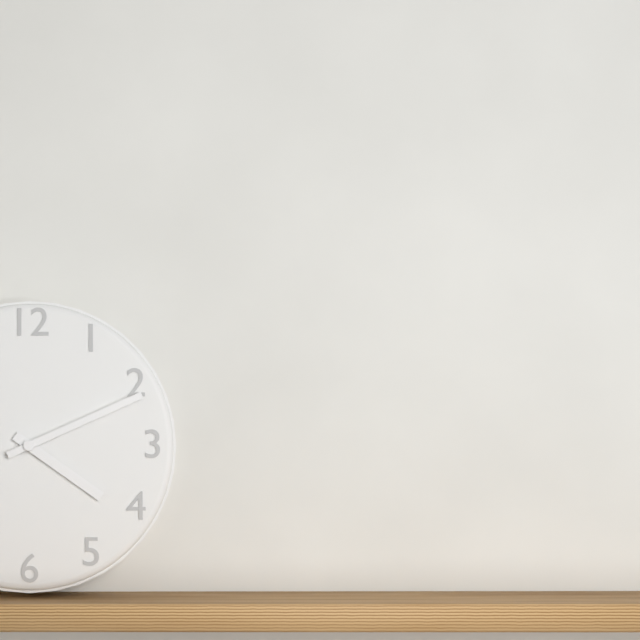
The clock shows 4.11
